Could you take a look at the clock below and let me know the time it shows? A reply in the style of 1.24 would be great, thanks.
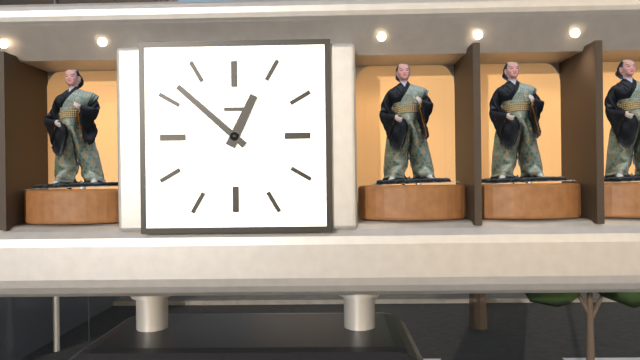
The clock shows 12.52
